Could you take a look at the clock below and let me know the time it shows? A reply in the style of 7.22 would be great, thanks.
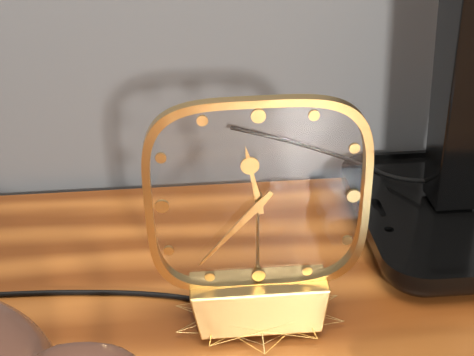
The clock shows 11.37
